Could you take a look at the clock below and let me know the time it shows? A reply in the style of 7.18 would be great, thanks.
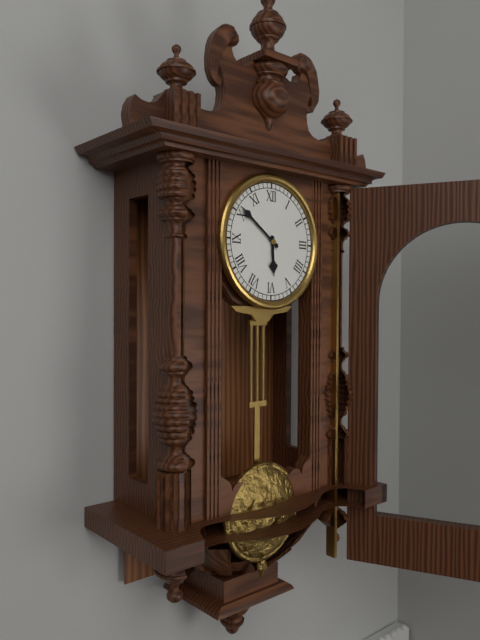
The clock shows 5.51
